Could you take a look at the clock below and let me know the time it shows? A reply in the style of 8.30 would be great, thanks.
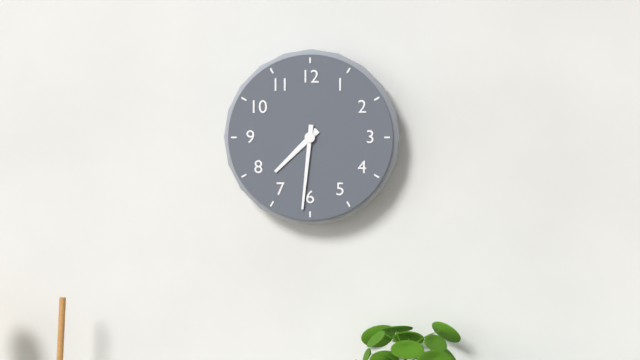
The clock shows 7.31
